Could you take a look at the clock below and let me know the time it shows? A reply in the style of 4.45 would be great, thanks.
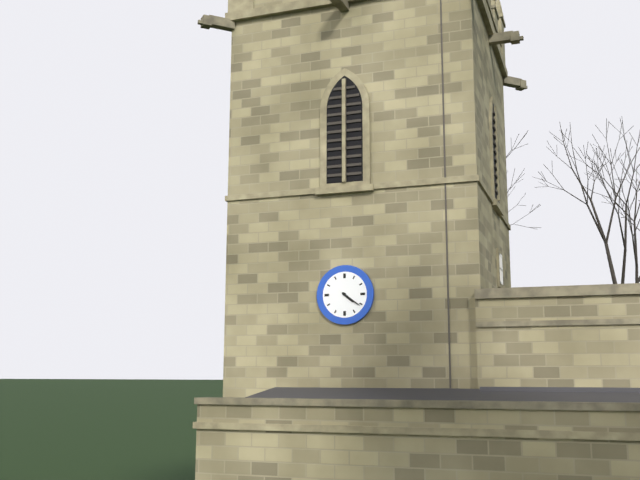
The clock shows 4.21
